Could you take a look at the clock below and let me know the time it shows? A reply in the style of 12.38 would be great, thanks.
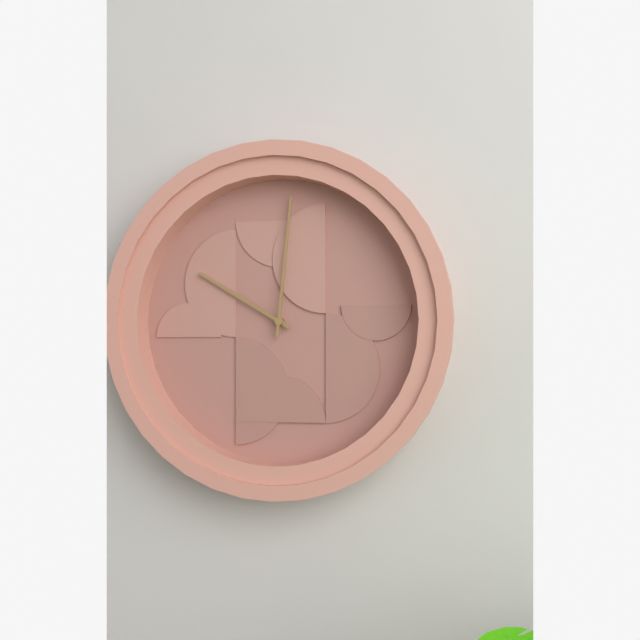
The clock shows 10.01
